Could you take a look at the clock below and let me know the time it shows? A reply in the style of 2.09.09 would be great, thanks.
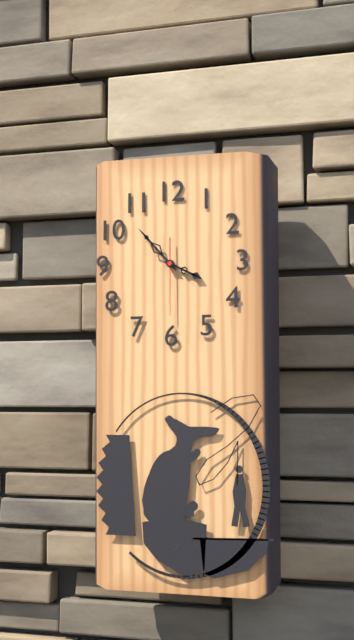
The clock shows 3.53.30
